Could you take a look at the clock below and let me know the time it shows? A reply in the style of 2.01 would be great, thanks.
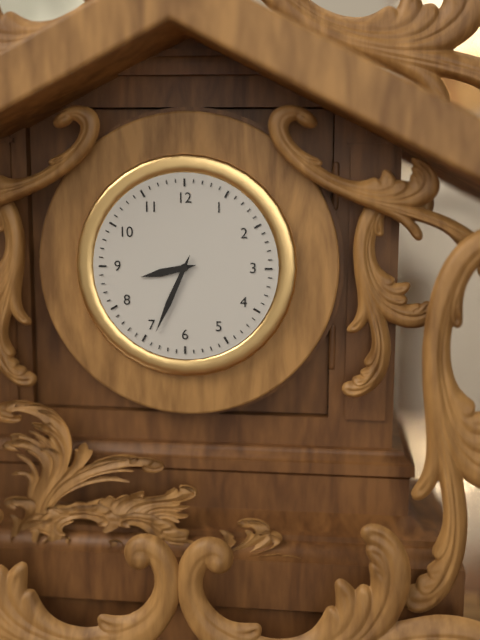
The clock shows 8.34
